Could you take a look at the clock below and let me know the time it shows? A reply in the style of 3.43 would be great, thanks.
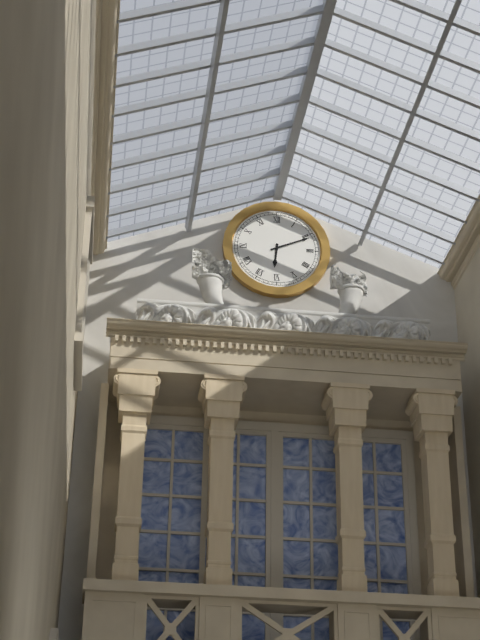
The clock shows 6.11
